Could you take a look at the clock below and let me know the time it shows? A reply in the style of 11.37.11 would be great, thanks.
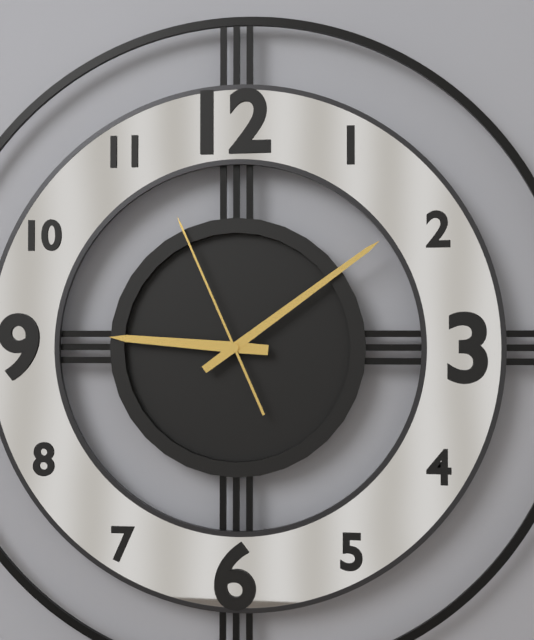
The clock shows 9.09.56
